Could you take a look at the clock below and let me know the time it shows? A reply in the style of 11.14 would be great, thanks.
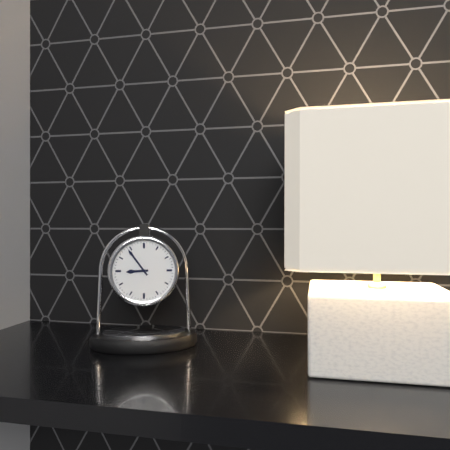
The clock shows 8.54
